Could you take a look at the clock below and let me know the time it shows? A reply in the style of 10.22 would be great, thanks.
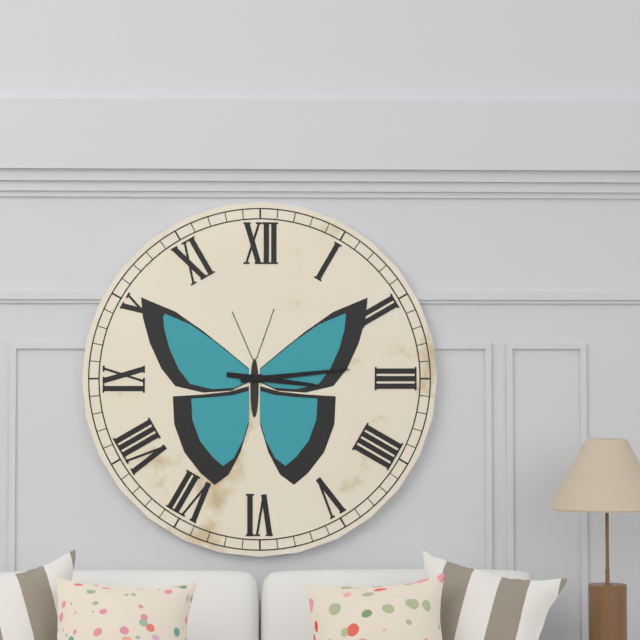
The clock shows 3.14
